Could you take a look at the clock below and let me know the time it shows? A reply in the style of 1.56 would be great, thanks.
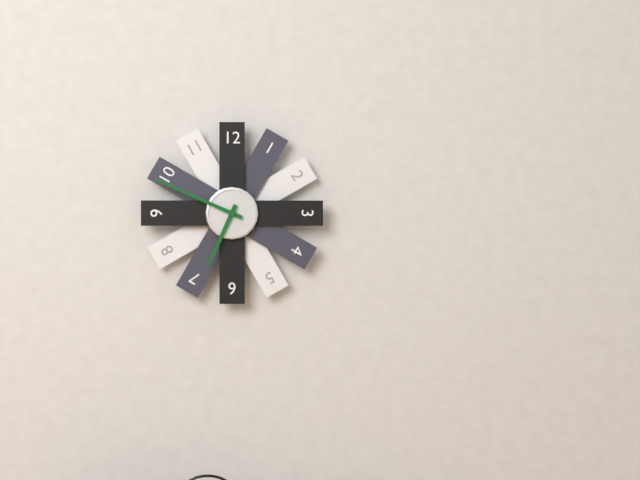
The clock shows 6.49
